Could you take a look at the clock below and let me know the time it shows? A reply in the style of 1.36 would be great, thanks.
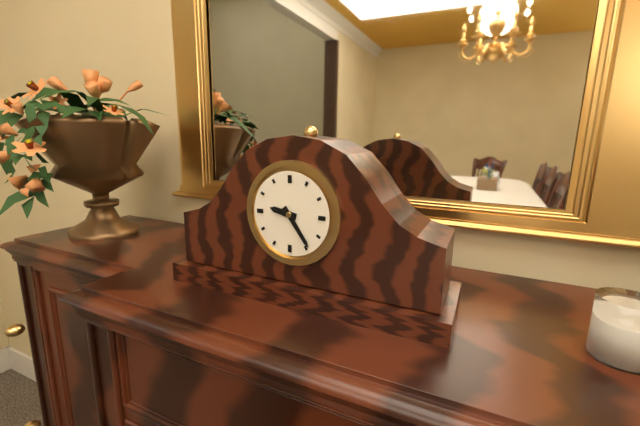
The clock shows 9.24
